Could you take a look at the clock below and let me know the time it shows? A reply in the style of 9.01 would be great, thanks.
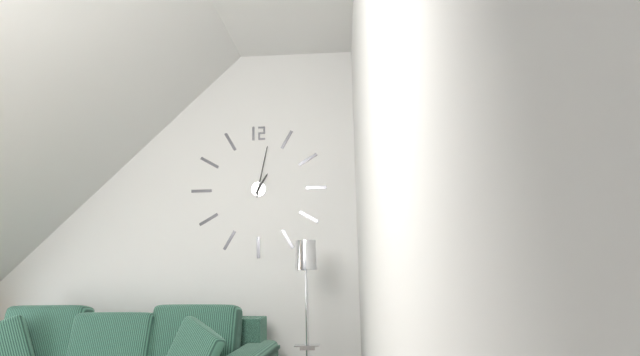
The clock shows 1.02
